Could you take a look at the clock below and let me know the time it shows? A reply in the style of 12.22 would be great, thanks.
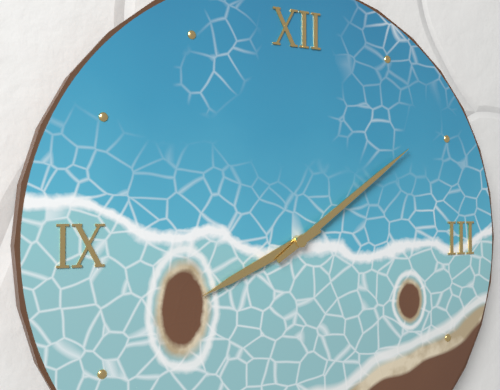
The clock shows 8.09
